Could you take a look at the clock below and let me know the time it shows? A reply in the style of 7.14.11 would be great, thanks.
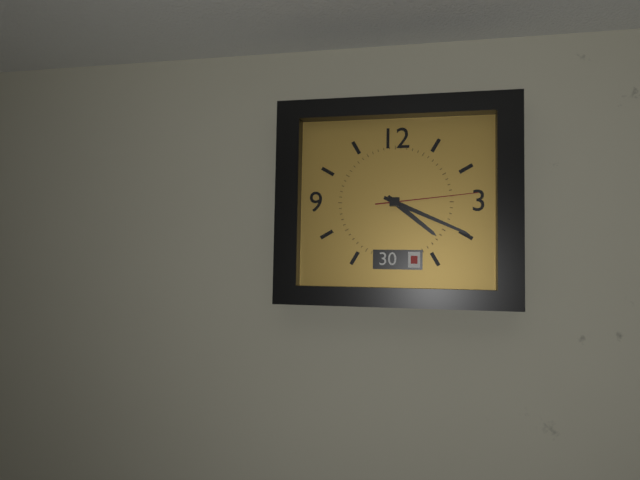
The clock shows 4.19.14
